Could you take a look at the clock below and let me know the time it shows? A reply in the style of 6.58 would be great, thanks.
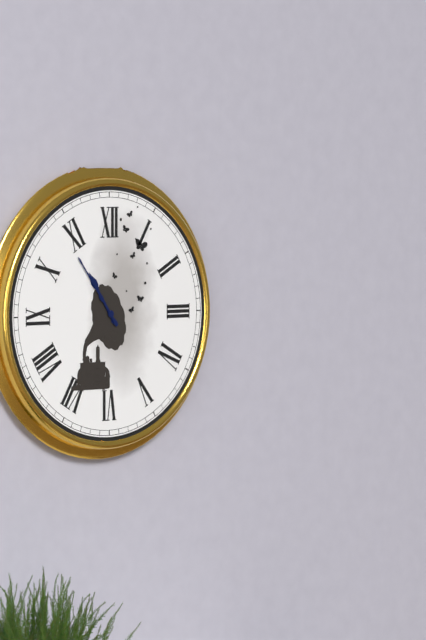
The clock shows 10.54
